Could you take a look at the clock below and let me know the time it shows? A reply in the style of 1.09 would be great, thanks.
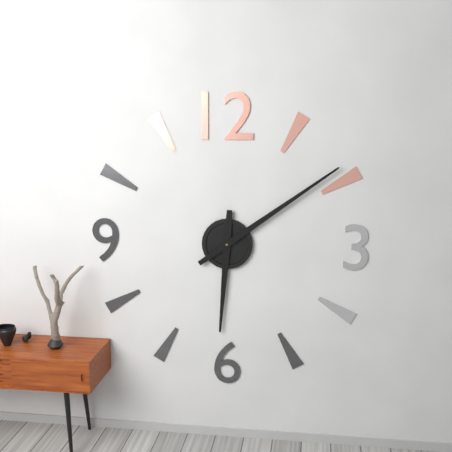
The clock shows 6.09
